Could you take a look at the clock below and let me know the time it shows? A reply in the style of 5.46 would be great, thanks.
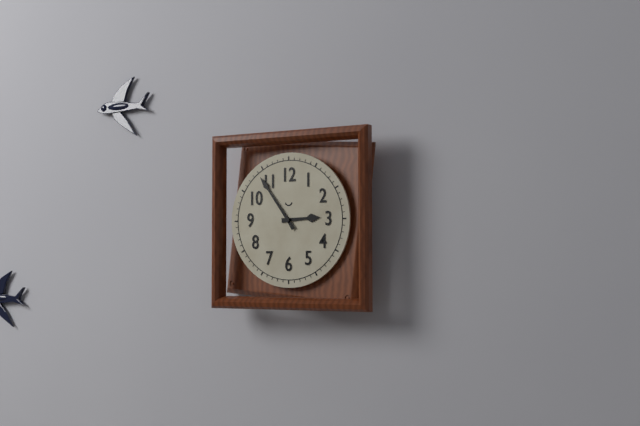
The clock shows 2.54
